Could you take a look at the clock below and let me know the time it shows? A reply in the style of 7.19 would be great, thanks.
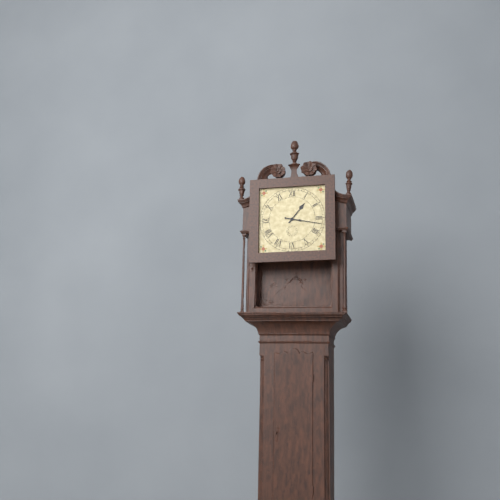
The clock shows 1.17
